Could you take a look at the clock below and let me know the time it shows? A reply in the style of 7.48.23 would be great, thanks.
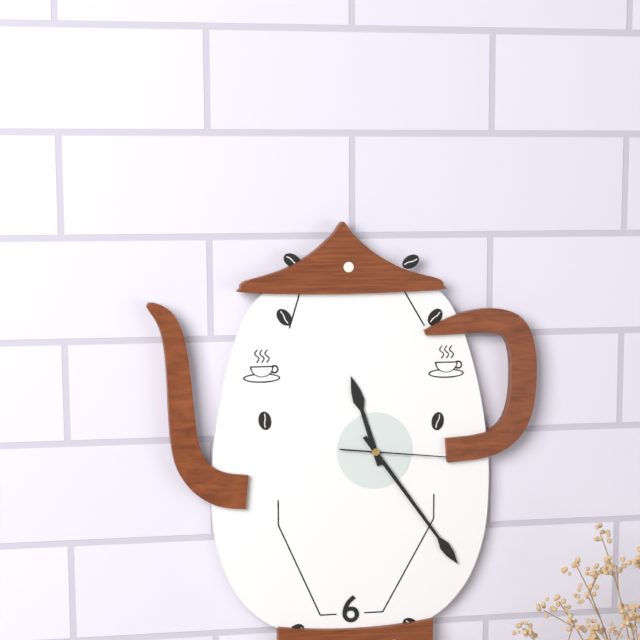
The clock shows 11.24.16
